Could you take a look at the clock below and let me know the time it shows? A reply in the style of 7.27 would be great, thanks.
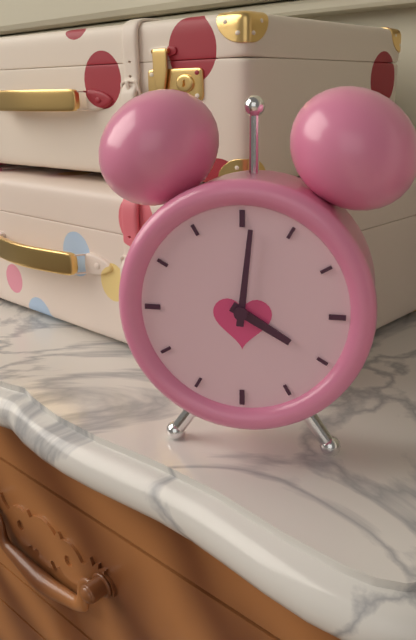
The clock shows 4.01
